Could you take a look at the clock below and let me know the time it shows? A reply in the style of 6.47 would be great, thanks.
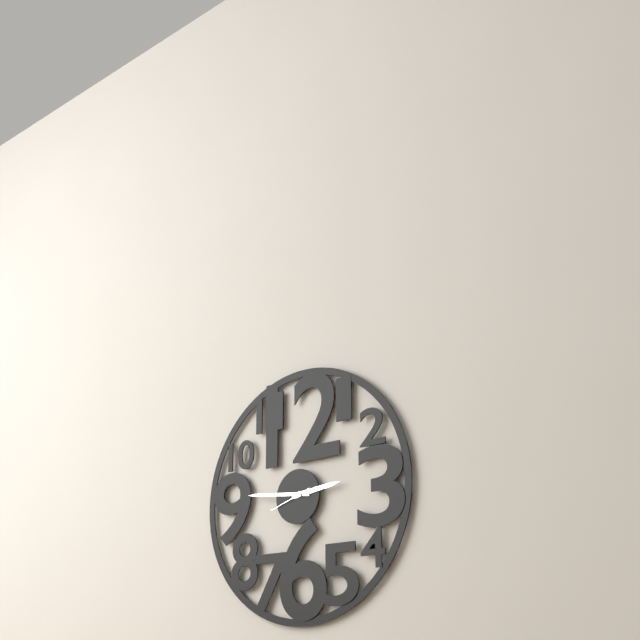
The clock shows 2.46
